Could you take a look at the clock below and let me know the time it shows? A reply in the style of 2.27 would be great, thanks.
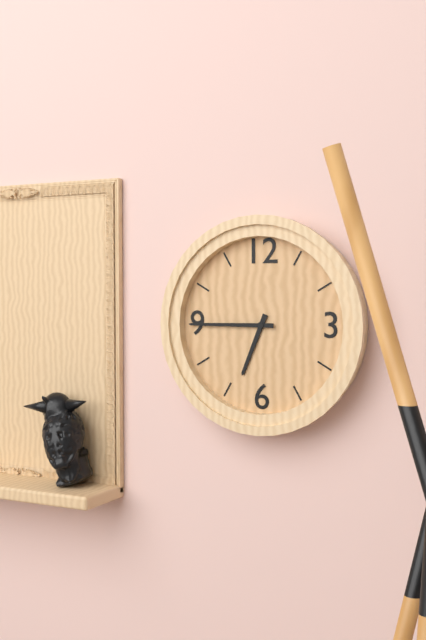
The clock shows 6.45
